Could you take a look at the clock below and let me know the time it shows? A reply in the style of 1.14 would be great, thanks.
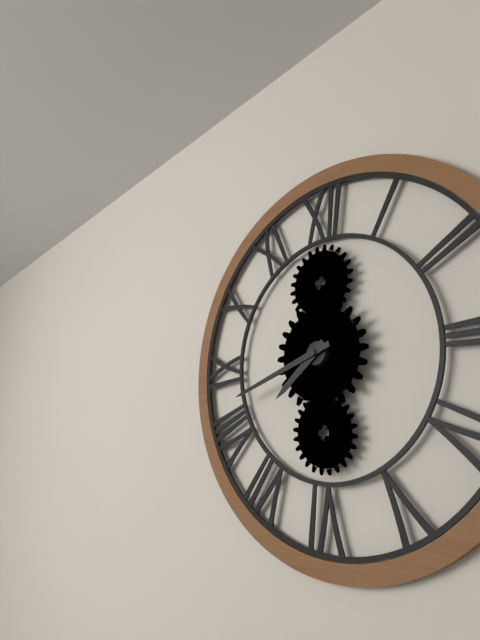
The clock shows 7.42
